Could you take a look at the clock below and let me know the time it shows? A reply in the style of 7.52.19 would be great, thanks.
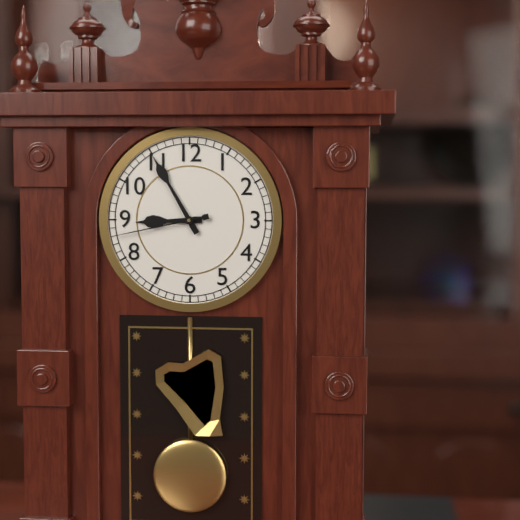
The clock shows 8.55.43
